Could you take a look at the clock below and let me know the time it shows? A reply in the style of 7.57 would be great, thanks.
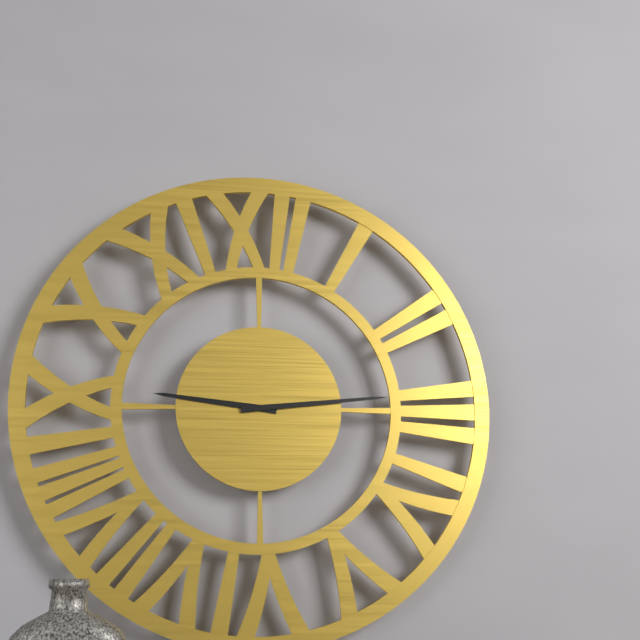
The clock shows 9.14
